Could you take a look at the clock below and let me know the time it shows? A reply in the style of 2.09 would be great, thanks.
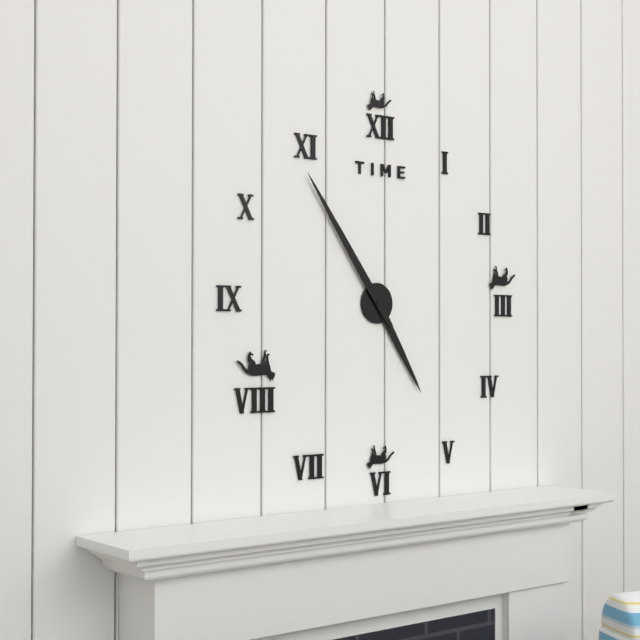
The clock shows 4.54
